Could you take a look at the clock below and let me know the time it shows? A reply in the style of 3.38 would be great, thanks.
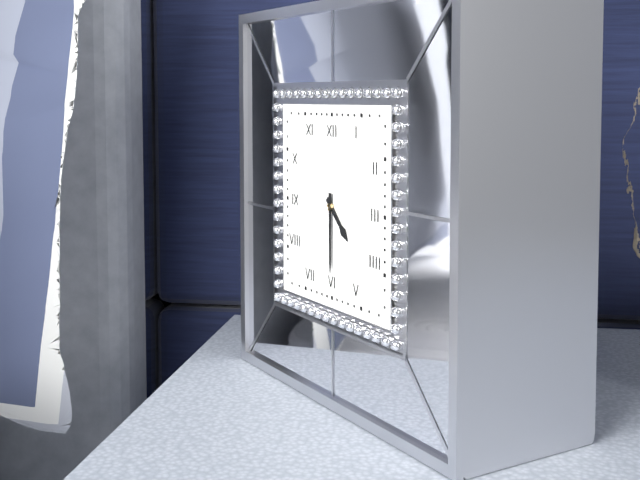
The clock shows 4.30
